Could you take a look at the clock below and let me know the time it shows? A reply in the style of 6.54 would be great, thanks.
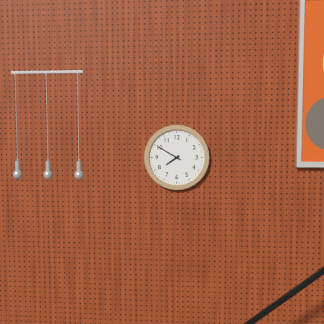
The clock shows 7.50
